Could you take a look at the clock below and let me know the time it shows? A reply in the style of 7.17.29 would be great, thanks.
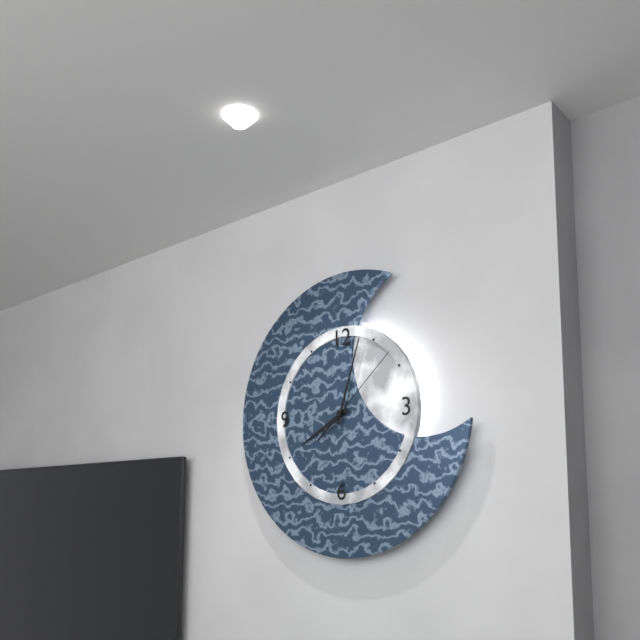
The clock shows 8.03.08
